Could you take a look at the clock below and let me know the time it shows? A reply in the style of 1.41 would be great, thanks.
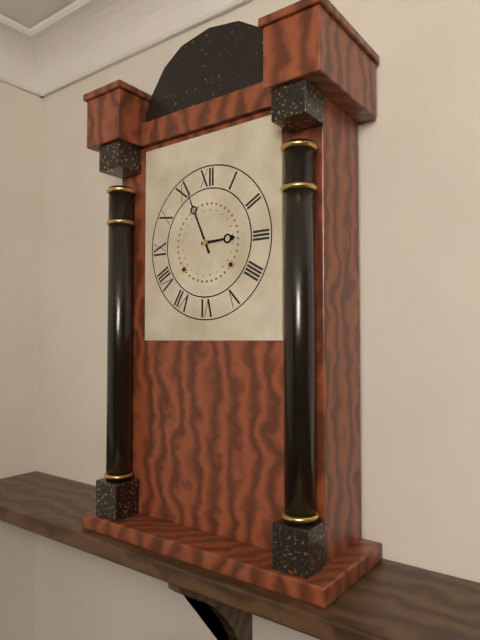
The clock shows 2.56
